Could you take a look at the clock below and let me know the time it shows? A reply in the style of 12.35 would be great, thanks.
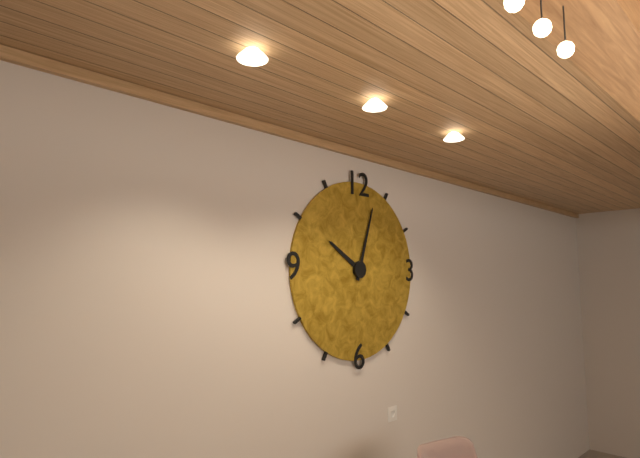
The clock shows 10.03
